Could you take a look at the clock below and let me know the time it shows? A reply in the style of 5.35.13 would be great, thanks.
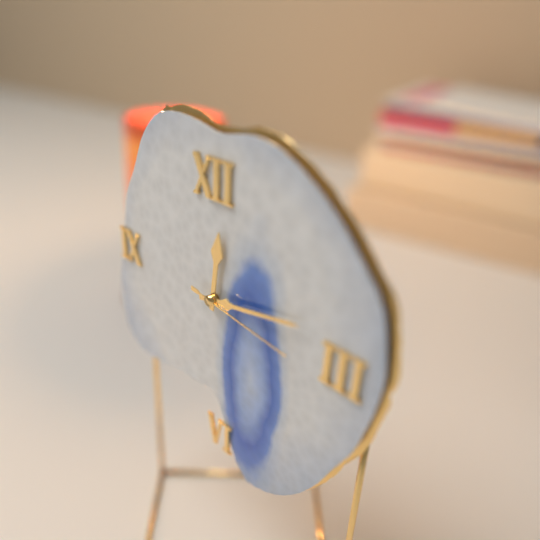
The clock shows 12.13.16
